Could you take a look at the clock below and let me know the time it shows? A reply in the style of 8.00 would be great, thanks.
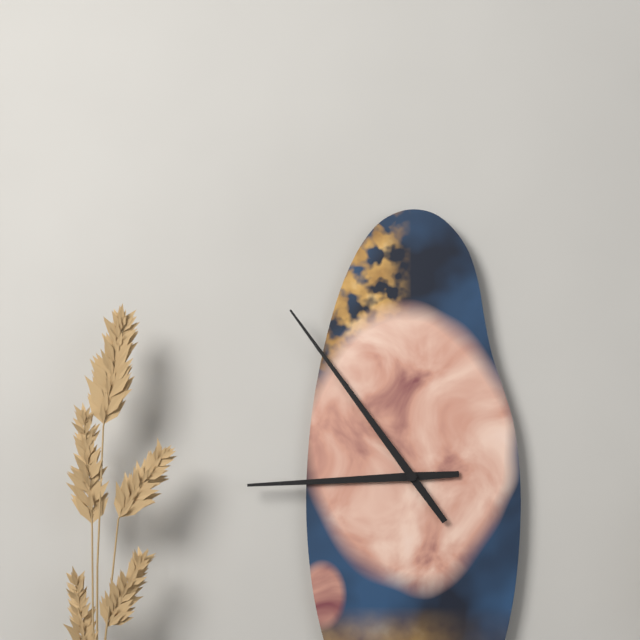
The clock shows 8.54
